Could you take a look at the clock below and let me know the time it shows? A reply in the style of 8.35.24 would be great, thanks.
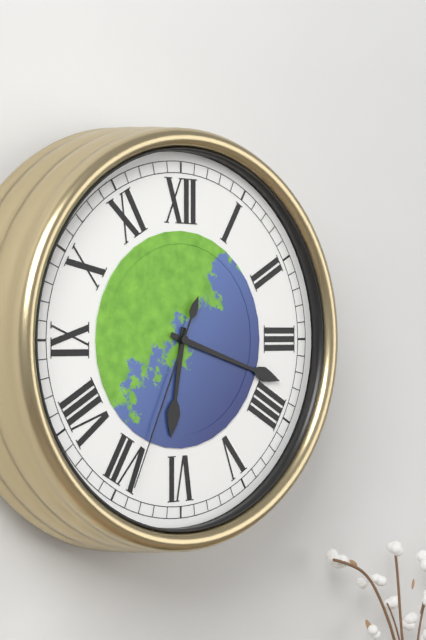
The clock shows 6.18.34
